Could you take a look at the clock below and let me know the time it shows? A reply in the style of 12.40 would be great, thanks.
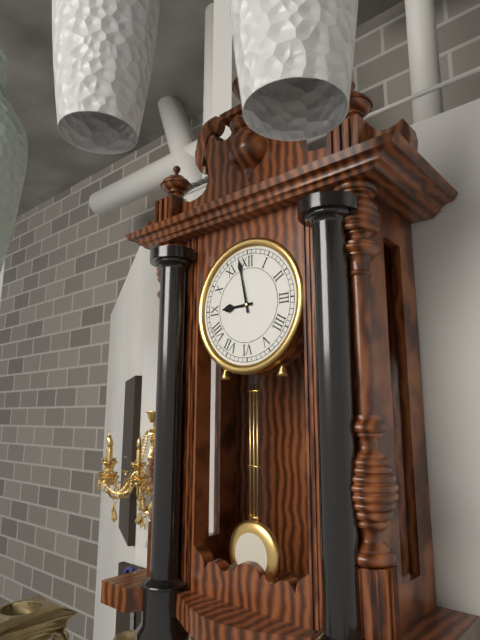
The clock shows 8.58
